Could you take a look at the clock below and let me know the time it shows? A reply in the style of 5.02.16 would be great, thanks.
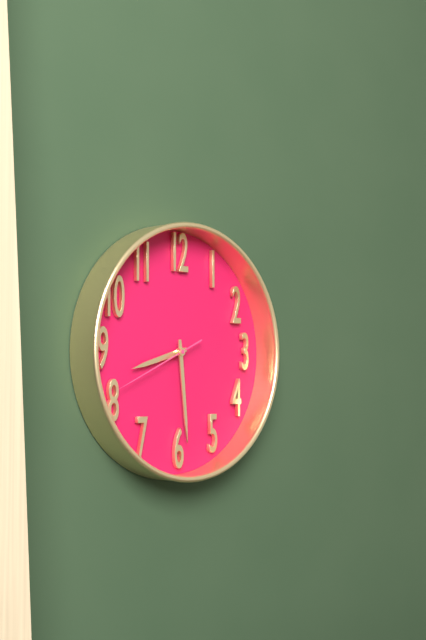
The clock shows 8.29.41
